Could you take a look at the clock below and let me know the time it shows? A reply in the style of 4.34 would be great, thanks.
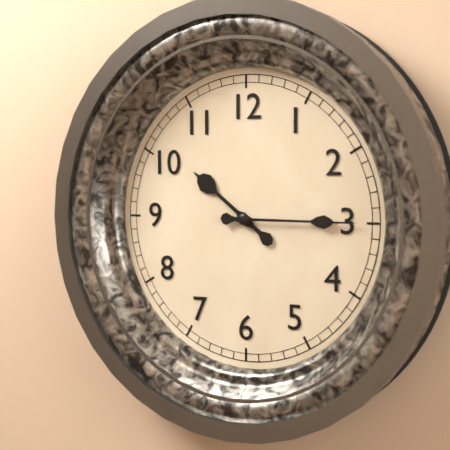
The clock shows 10.15
